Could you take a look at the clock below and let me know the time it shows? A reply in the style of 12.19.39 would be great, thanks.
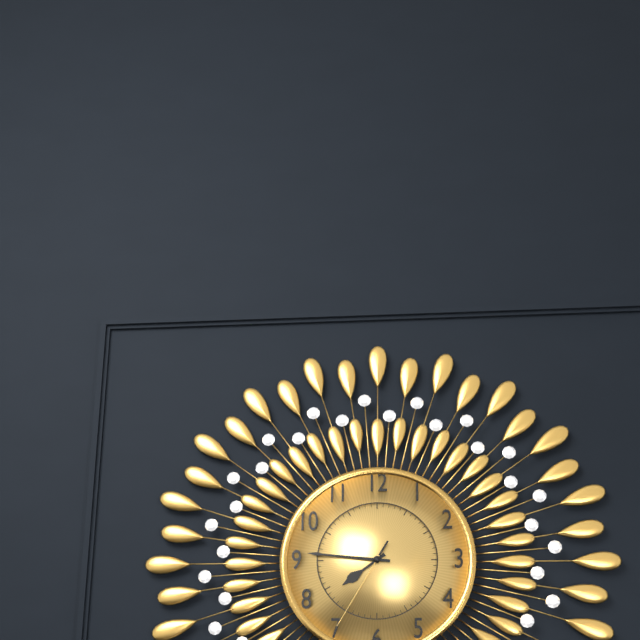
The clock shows 7.46.35
